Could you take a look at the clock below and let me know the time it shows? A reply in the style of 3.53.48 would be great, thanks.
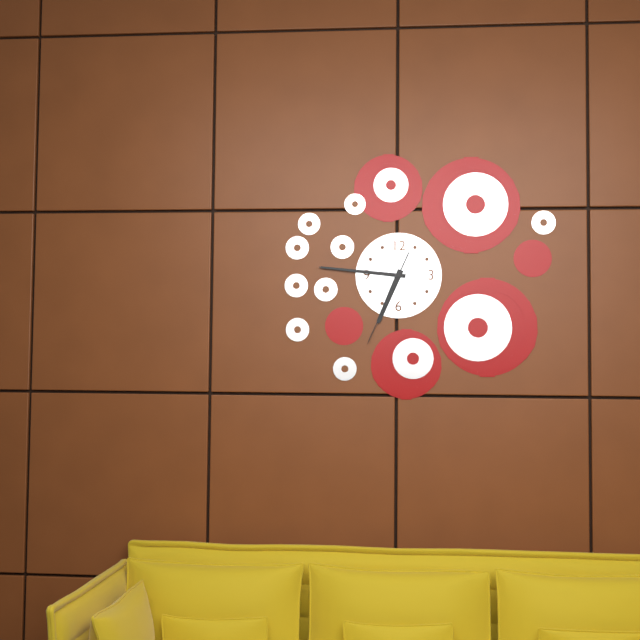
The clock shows 6.46.34
